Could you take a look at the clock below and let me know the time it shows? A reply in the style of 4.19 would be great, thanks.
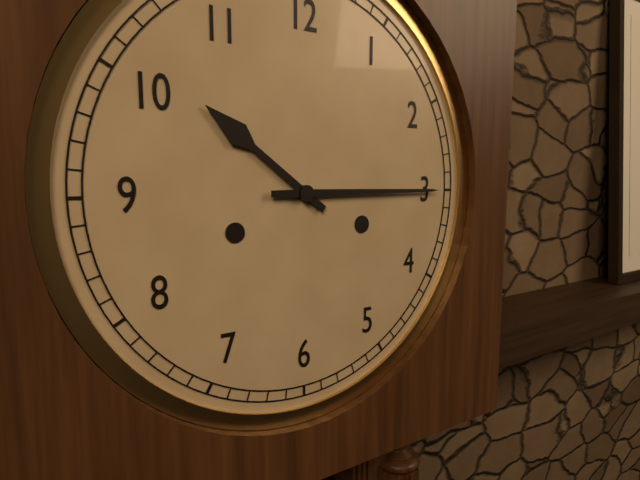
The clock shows 10.15
